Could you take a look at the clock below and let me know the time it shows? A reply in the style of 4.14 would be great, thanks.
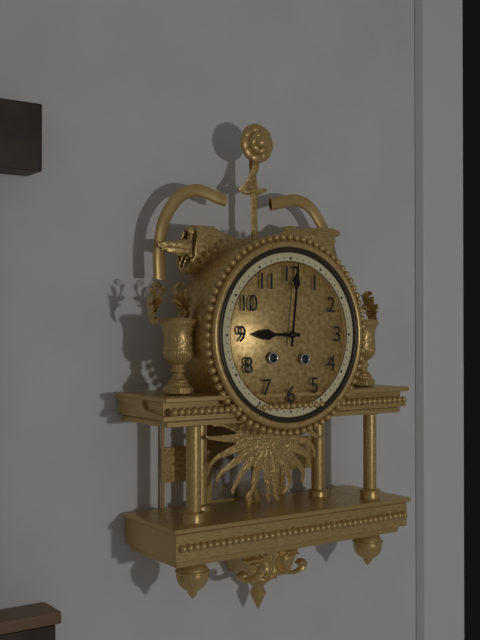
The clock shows 9.01
